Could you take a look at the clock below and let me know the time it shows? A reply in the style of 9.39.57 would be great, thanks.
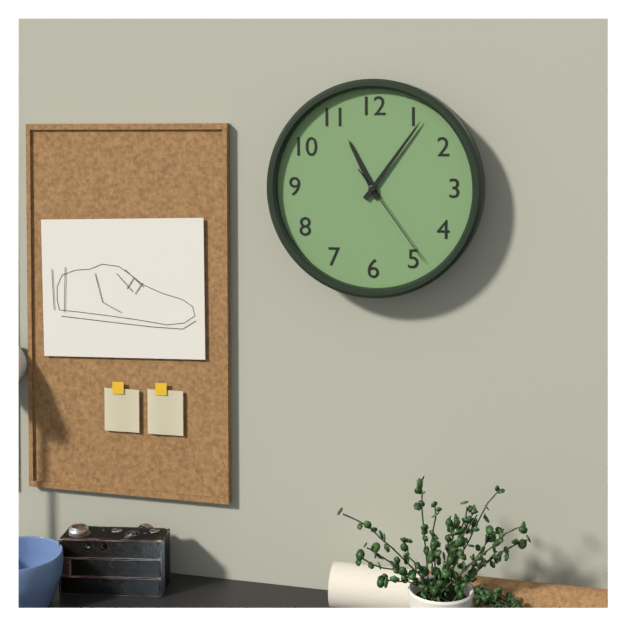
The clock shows 11.06.24
